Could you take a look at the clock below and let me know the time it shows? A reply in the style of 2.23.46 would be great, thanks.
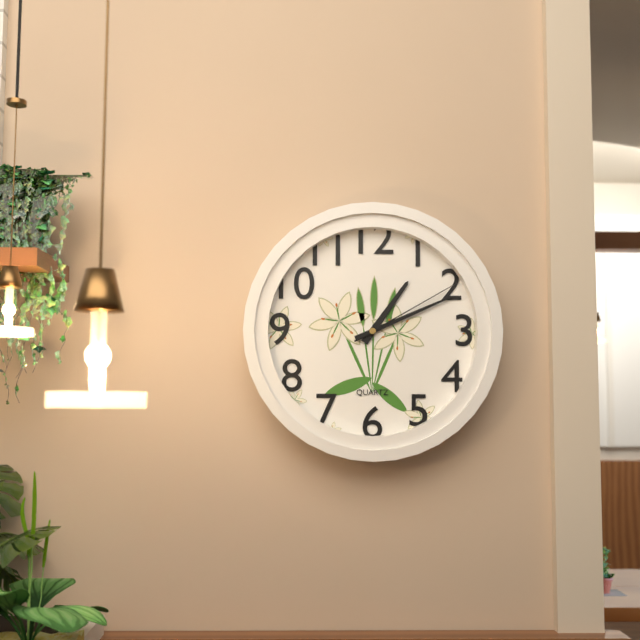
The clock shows 1.11.10
